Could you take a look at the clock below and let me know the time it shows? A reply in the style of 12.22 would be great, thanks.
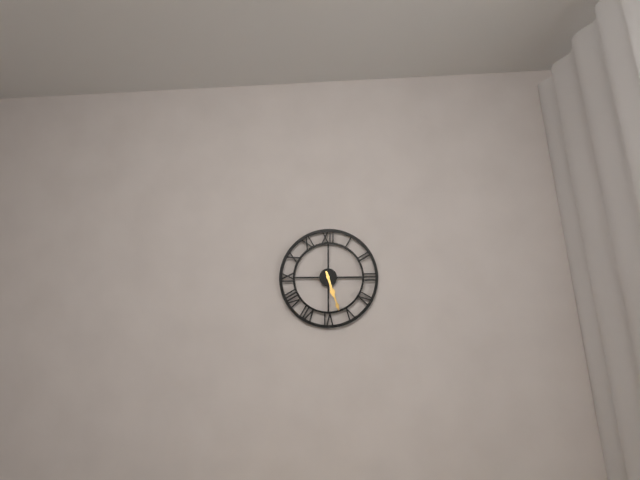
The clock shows 5.27
